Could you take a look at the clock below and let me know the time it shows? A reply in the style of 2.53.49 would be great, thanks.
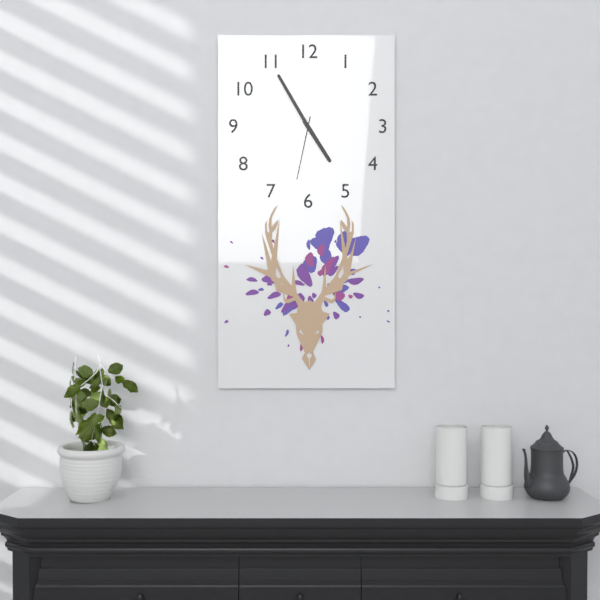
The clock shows 4.55.32
